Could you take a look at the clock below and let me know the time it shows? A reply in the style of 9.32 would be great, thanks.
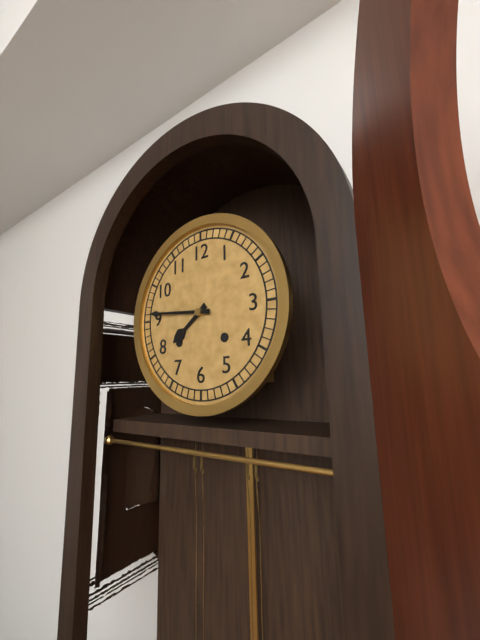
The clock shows 7.46
